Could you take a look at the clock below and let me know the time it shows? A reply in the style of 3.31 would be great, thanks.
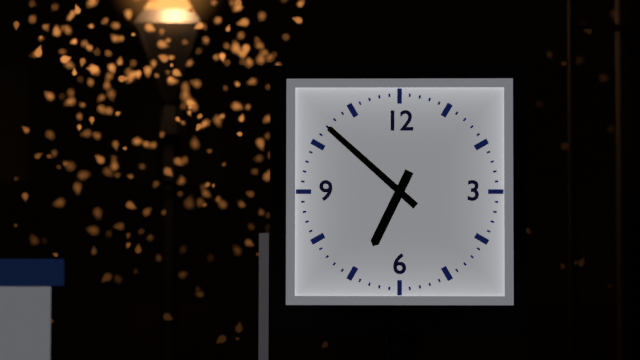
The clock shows 6.52
